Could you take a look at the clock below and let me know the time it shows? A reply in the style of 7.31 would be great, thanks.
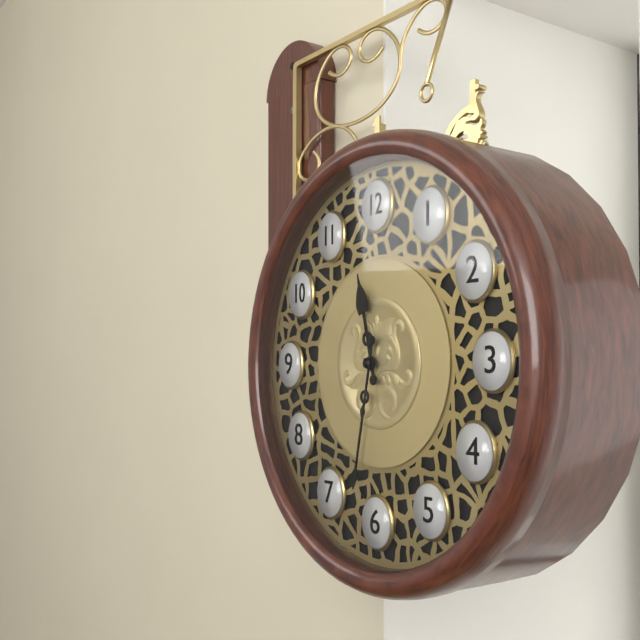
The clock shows 11.32
